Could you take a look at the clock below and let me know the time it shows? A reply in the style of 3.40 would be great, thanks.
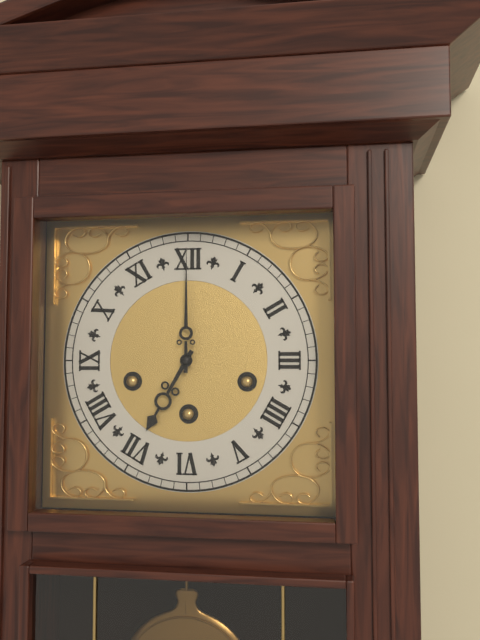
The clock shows 7.00
